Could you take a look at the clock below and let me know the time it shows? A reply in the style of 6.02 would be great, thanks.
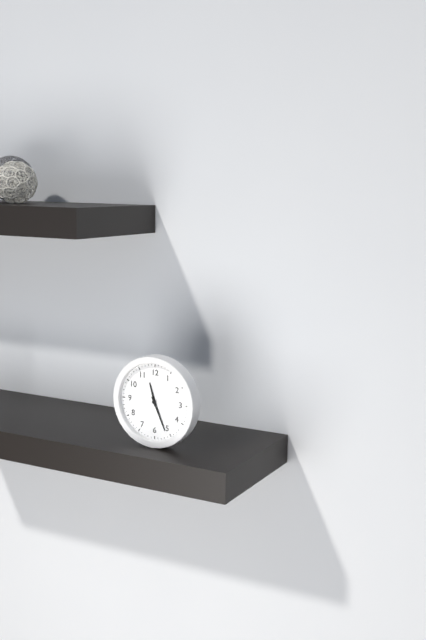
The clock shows 11.26
